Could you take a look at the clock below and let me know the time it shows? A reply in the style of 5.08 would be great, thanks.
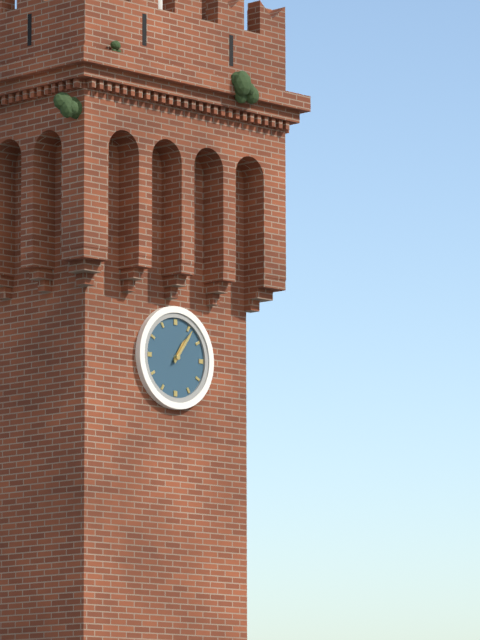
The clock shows 1.06
